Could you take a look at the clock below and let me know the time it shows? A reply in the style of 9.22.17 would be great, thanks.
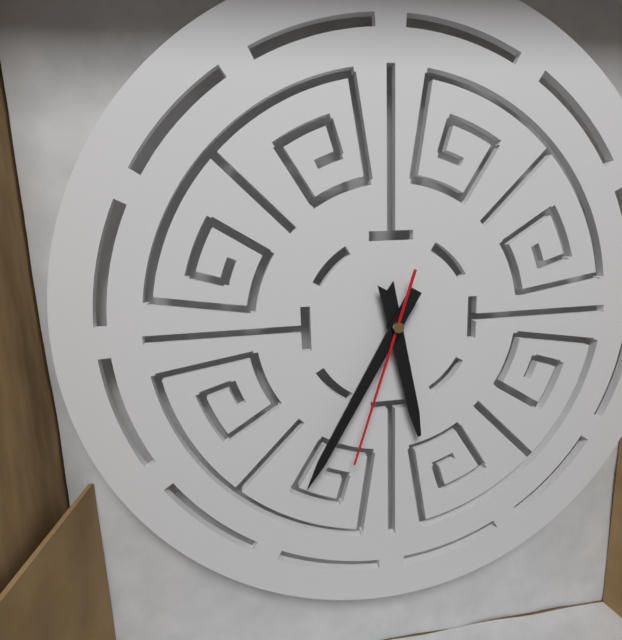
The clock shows 5.35.33
